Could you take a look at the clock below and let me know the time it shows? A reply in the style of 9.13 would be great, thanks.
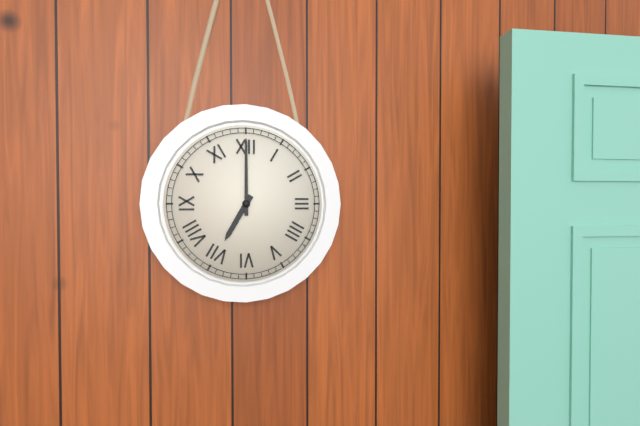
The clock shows 7.00
